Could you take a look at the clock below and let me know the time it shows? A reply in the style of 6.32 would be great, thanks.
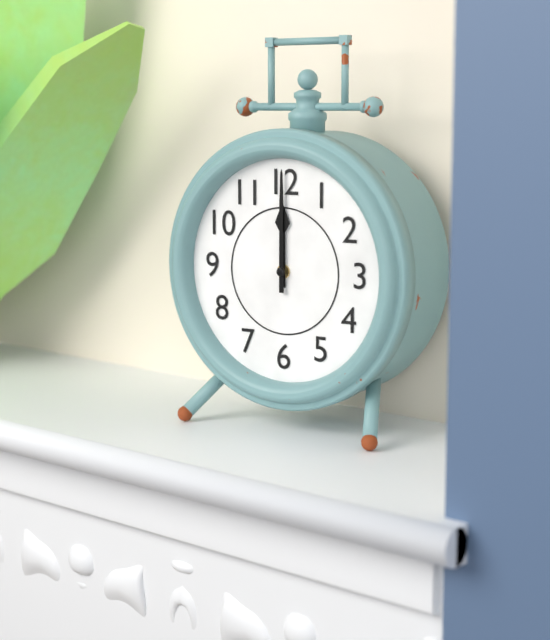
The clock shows 12.00
